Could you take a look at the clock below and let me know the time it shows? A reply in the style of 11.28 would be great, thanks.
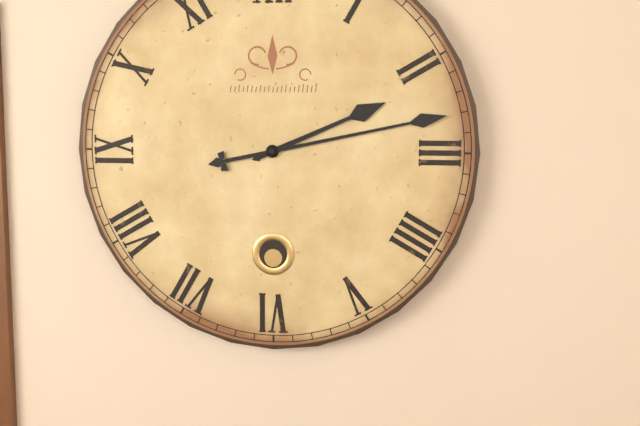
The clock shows 2.13
